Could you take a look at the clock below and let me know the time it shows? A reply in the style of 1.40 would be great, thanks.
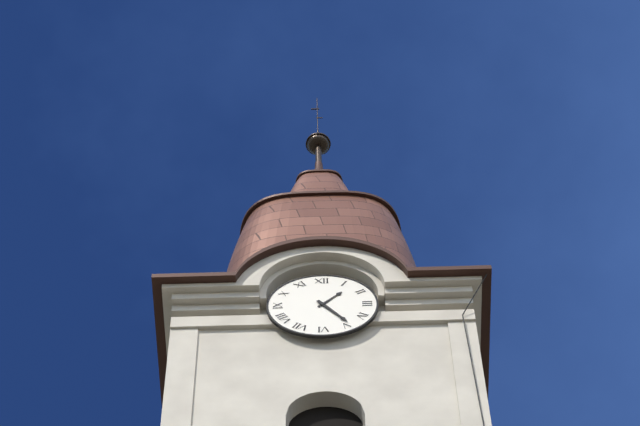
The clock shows 1.24
